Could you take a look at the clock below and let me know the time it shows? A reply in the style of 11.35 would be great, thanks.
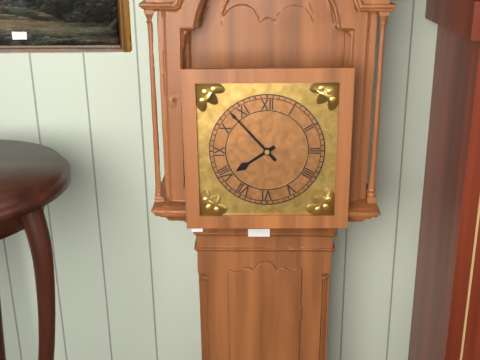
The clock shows 7.53
